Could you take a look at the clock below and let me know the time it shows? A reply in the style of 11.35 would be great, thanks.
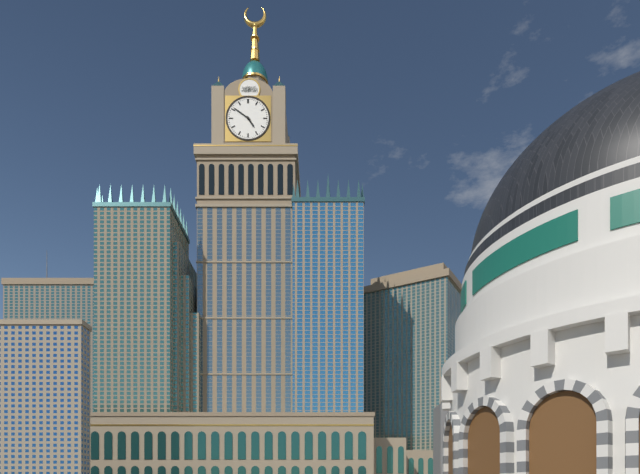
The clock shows 4.51
